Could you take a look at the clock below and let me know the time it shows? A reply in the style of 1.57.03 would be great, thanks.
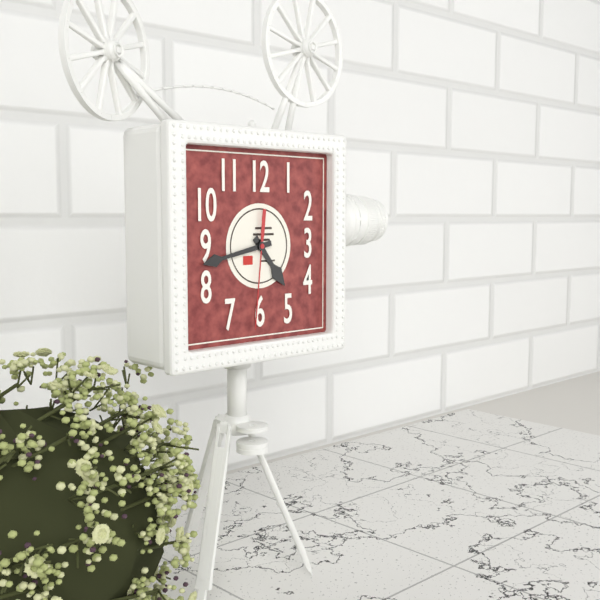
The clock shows 4.43.31
